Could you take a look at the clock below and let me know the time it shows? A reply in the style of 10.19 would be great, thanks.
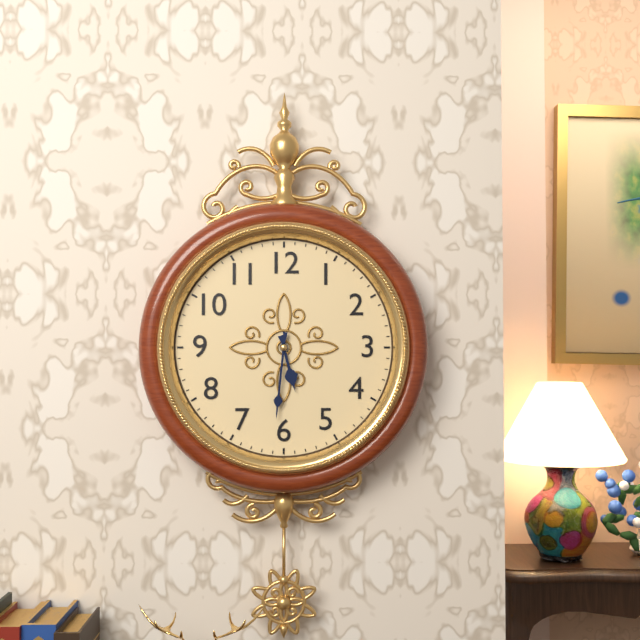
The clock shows 5.31
